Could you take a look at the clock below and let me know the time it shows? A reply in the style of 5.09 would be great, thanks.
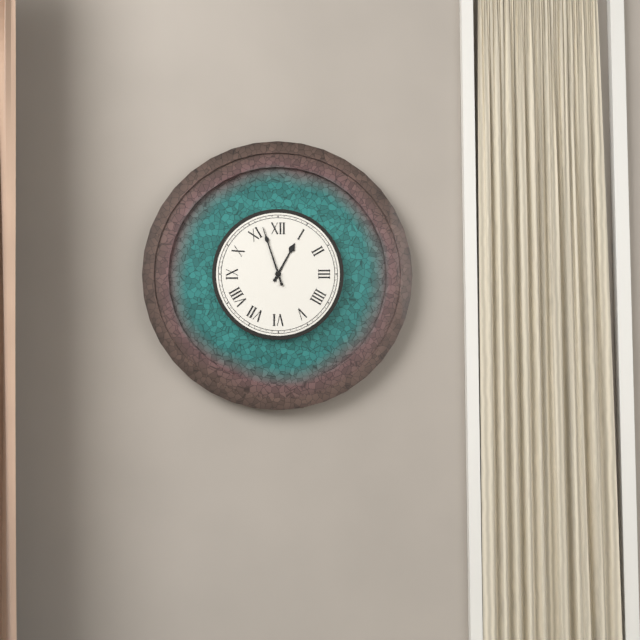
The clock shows 12.57
